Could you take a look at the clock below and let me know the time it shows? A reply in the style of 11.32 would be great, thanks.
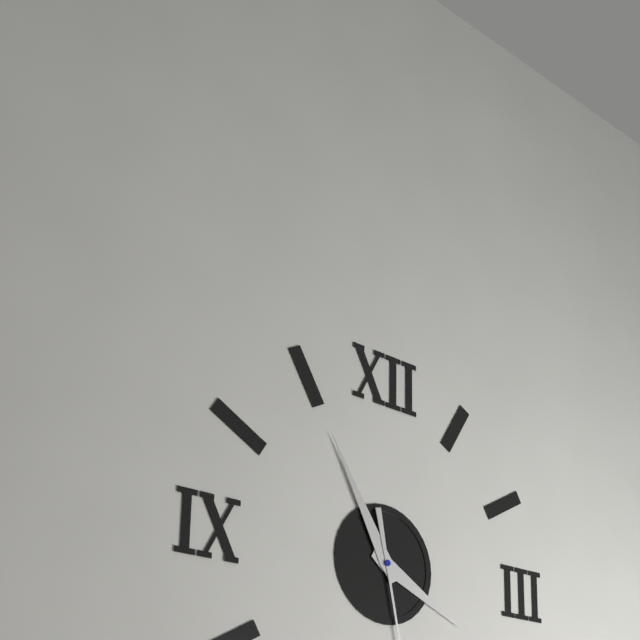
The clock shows 3.55
